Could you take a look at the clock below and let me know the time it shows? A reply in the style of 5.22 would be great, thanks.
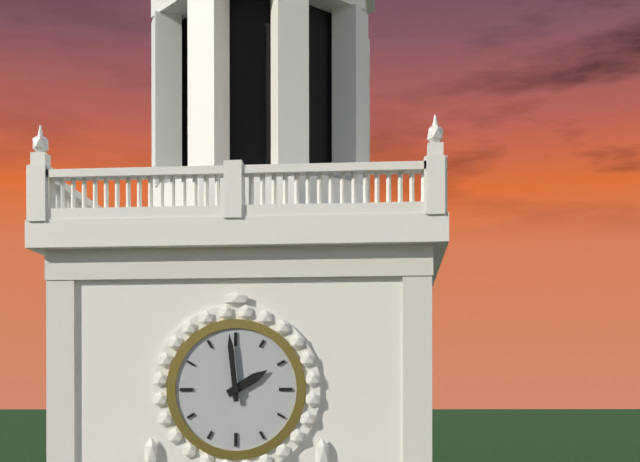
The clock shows 1.59
